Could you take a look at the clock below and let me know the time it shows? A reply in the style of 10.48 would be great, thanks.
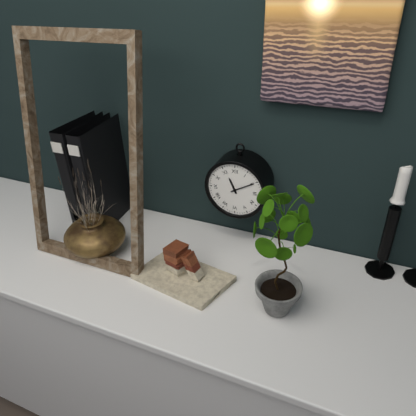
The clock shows 11.10
